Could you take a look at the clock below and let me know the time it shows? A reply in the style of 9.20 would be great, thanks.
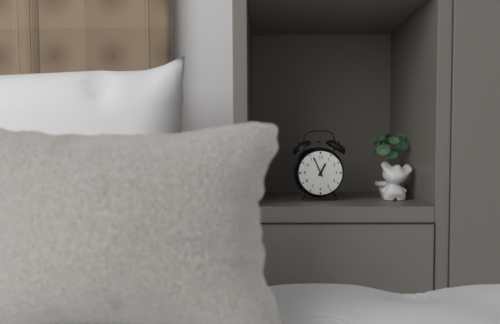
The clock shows 12.56
